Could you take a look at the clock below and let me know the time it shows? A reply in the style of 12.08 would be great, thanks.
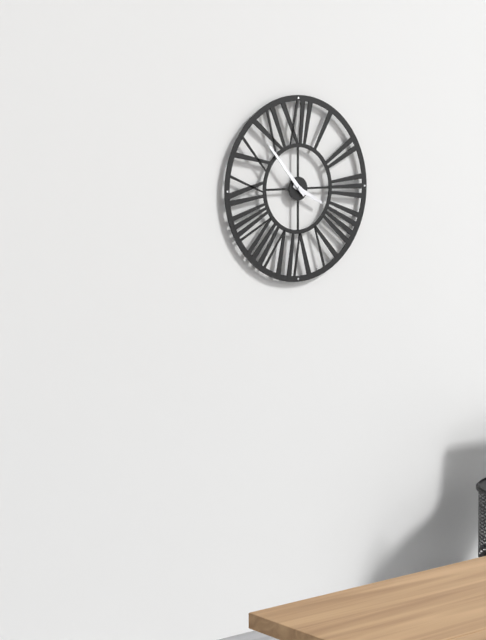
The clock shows 3.53
